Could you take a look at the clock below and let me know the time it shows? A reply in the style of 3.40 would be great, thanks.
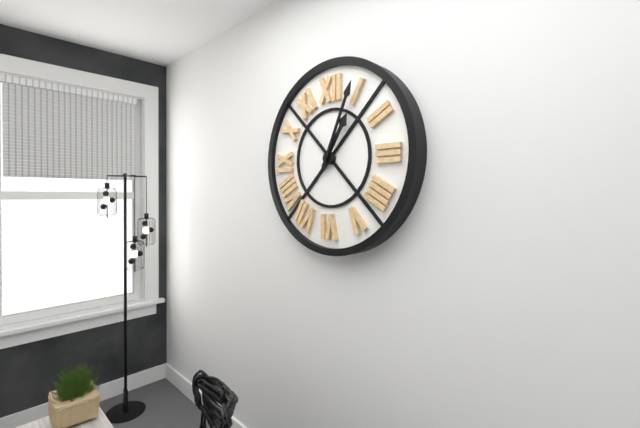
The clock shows 1.04
